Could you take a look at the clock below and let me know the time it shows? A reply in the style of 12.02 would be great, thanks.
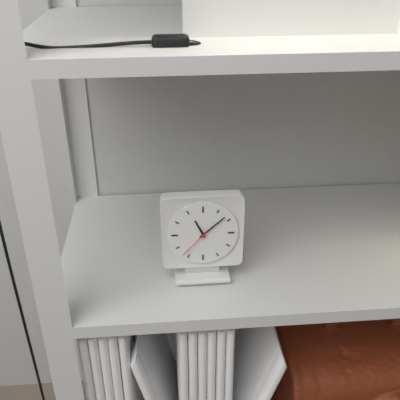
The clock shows 11.08
